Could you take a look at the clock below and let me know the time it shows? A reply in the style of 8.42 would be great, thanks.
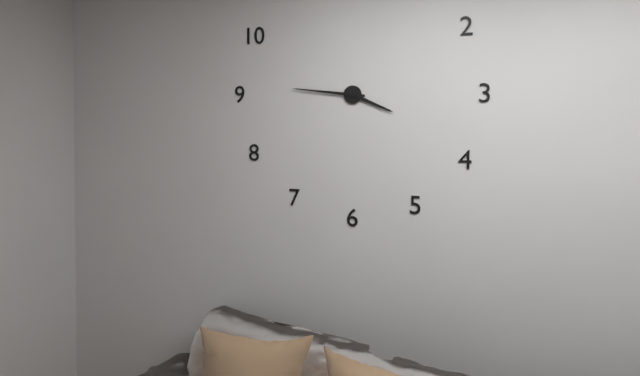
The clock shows 3.46
